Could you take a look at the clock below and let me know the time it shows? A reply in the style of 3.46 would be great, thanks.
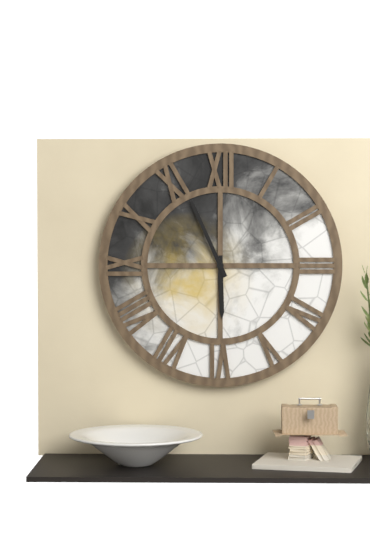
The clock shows 5.56
